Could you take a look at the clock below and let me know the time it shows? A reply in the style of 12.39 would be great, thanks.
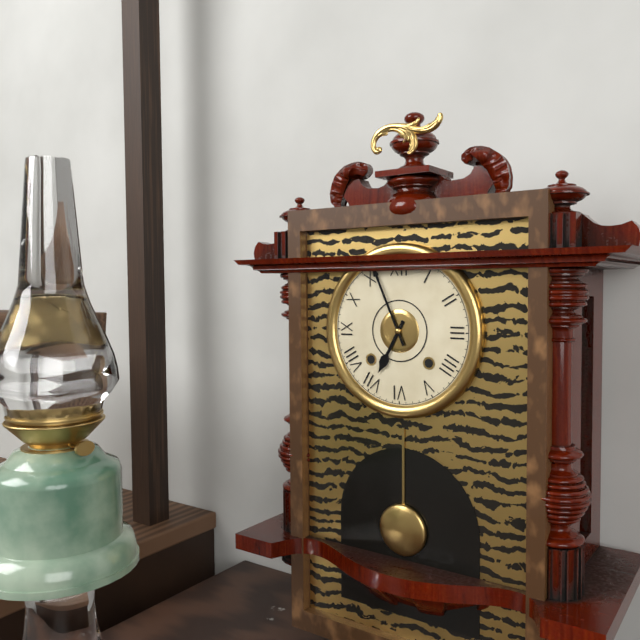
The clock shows 6.56
